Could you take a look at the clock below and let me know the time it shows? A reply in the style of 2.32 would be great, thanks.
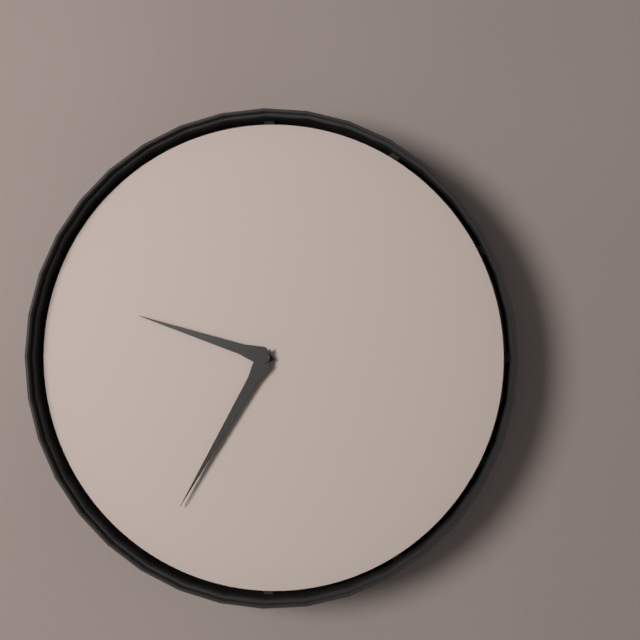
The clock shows 9.35
